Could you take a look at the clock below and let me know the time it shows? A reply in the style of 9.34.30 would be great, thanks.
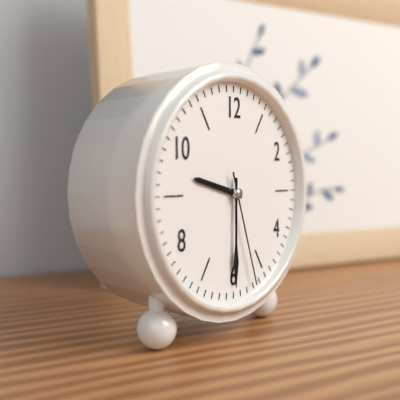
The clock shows 9.30.27
